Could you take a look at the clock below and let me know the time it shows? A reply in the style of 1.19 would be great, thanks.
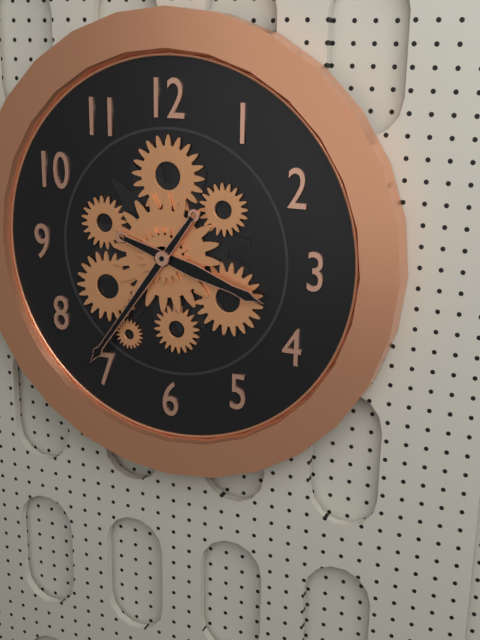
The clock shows 3.36
